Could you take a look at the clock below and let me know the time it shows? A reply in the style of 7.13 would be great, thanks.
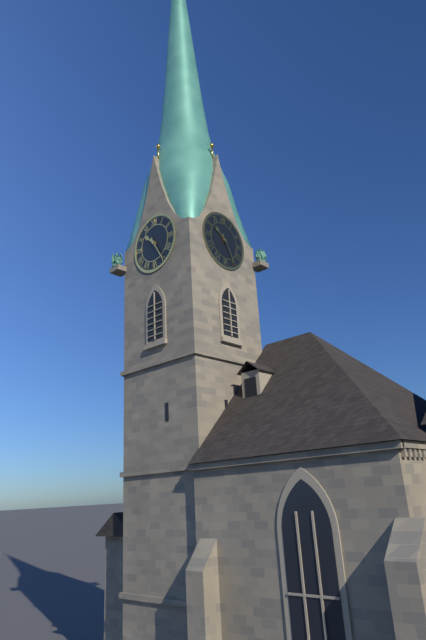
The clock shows 10.25
